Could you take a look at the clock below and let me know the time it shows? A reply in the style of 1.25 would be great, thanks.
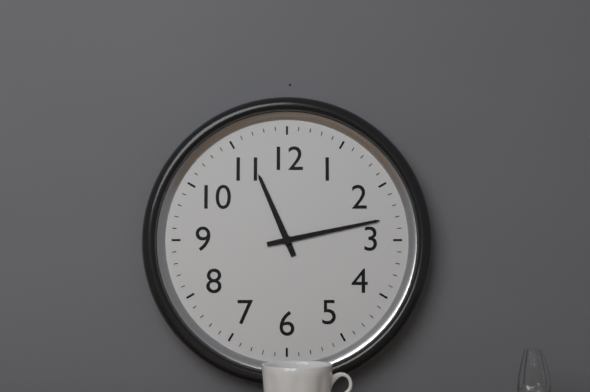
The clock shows 11.13
